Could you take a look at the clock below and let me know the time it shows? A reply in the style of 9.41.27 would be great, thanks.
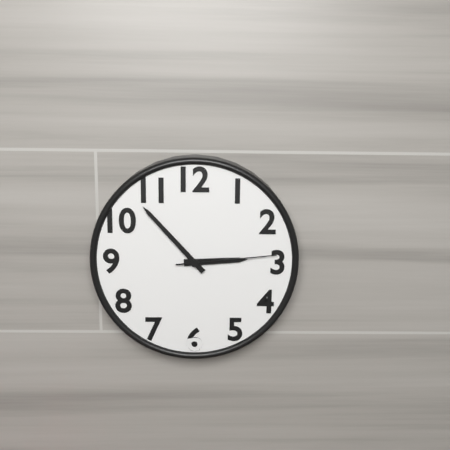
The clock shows 2.53.14
